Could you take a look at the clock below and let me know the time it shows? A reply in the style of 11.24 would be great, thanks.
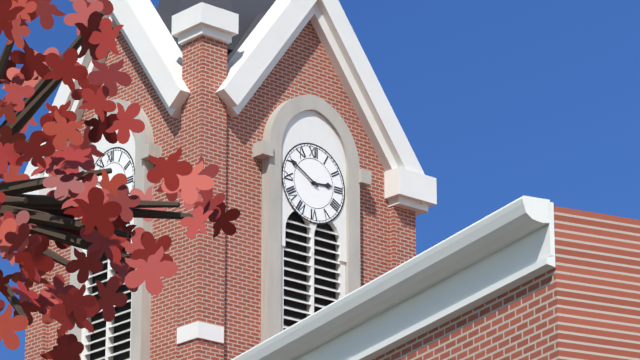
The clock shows 2.50
